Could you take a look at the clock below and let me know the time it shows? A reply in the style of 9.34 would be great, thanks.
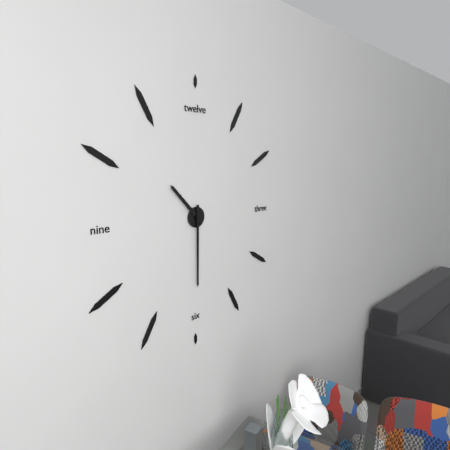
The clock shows 10.30
